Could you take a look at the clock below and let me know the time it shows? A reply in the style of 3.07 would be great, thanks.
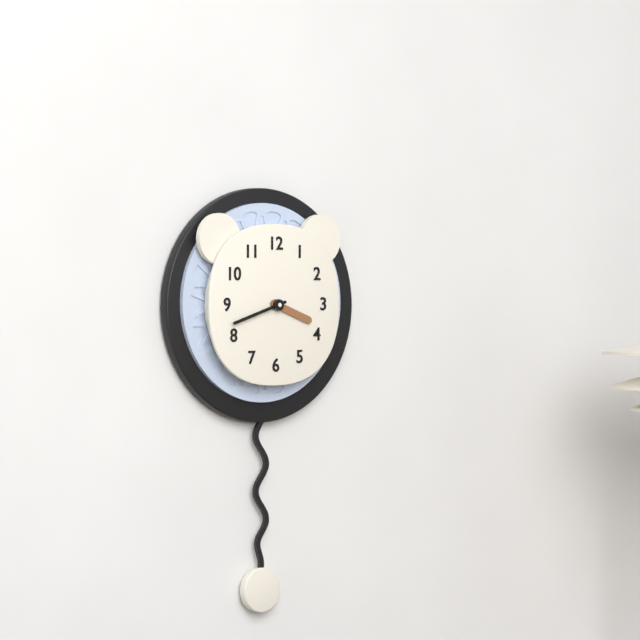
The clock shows 3.42
